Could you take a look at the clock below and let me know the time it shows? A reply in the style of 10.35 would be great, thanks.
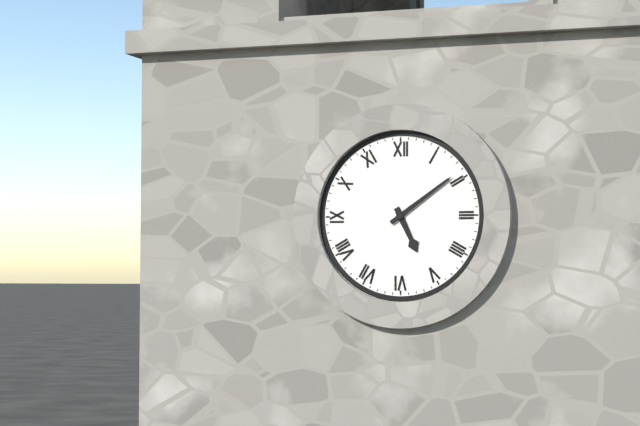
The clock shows 5.09
